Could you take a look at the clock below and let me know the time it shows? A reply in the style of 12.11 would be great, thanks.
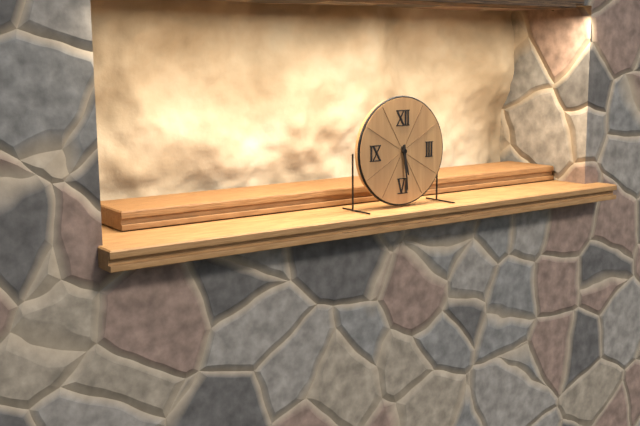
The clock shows 5.29
